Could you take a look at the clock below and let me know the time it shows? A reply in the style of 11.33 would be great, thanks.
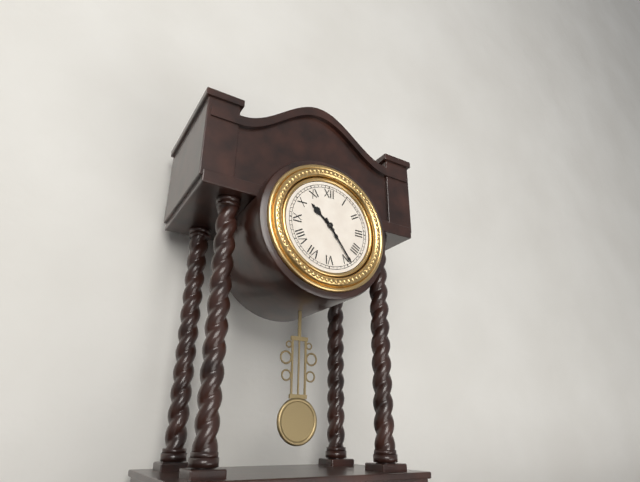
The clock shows 10.24
